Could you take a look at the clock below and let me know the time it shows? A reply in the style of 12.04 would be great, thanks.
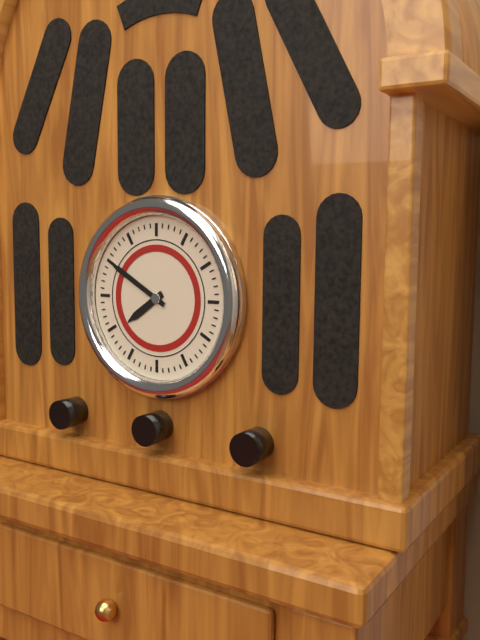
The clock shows 7.50
